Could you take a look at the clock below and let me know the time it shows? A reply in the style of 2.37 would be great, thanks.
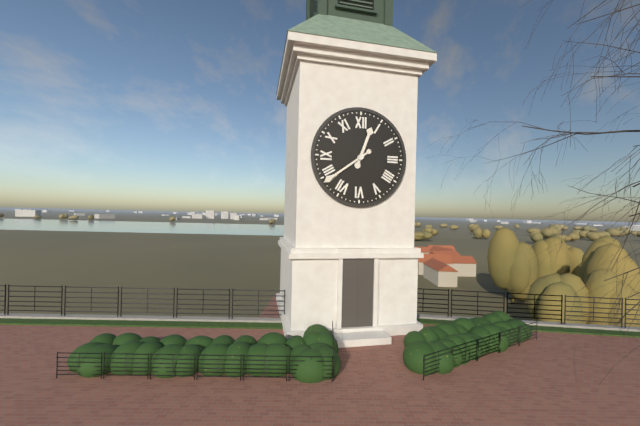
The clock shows 12.39
